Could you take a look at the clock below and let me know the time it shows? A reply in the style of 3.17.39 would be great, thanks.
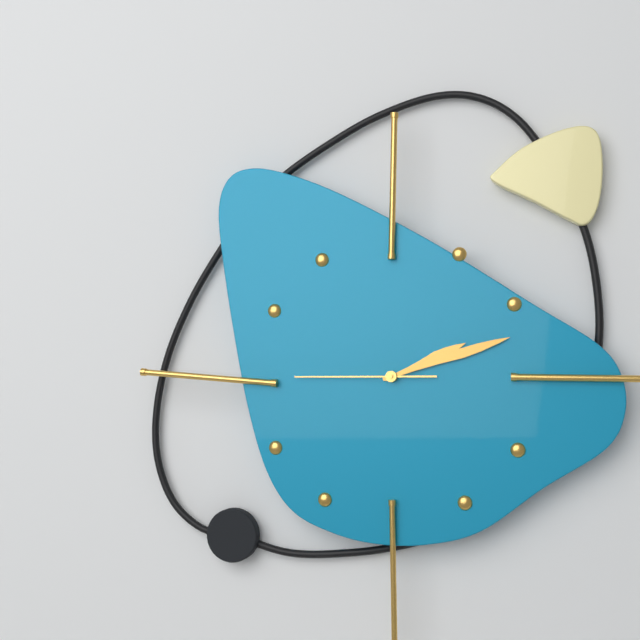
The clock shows 2.12.45
